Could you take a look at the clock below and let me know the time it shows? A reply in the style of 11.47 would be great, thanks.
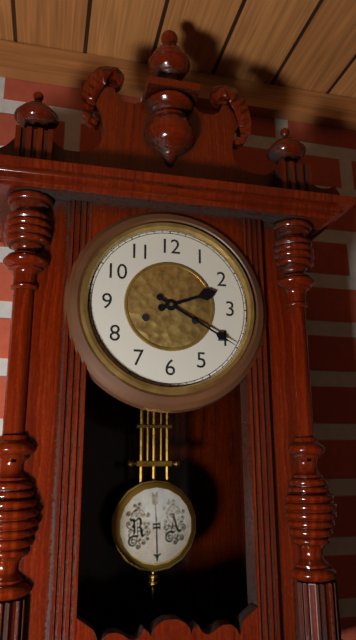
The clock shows 2.20
